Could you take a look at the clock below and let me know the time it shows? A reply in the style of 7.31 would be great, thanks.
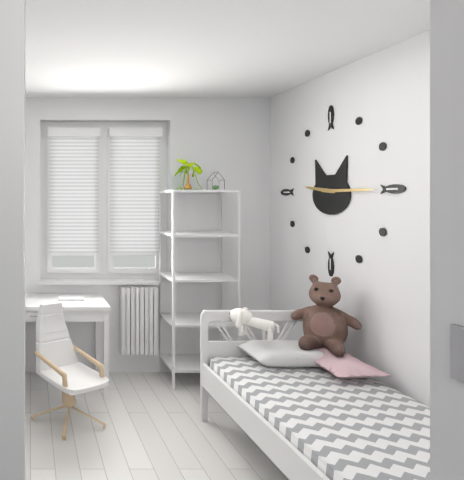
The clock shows 9.15
